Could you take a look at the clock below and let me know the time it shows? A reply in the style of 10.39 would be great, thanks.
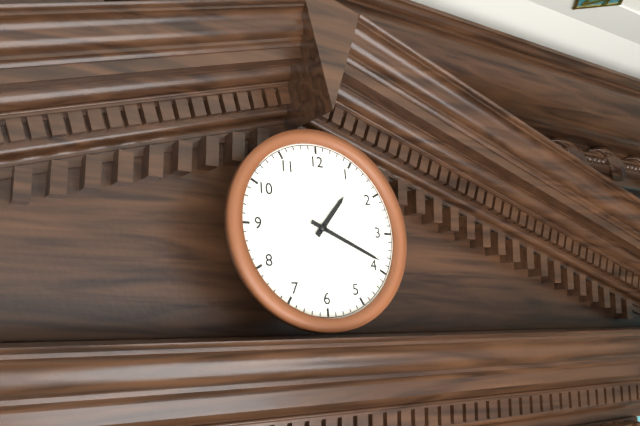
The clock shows 1.19
